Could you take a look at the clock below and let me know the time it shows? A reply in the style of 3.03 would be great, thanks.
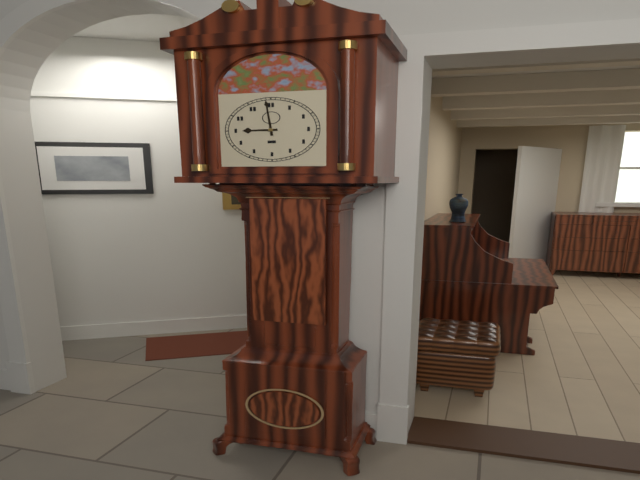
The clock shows 8.59
